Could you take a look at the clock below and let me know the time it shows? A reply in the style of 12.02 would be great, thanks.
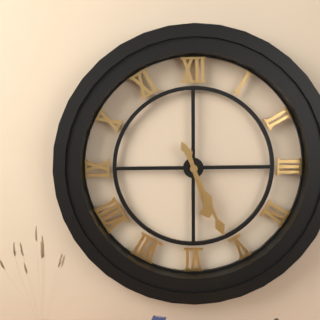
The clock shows 5.26
